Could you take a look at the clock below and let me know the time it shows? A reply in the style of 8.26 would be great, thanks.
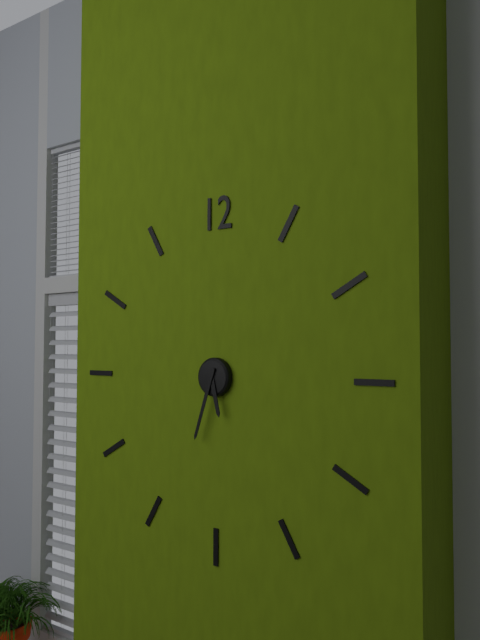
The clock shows 5.33
